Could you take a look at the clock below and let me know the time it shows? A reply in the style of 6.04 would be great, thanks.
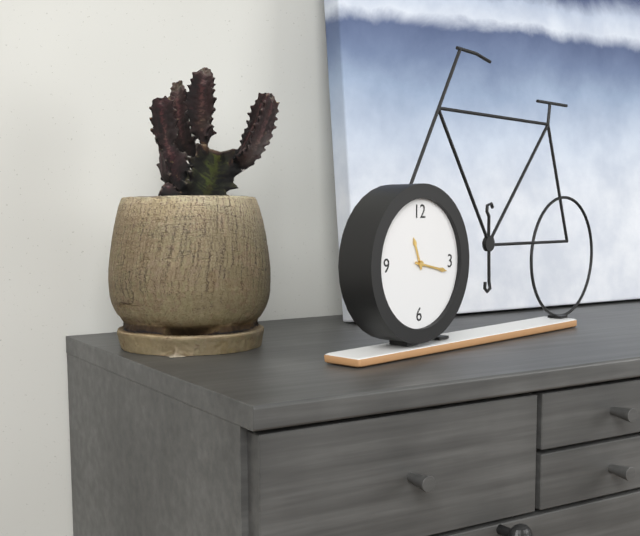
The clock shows 11.17
